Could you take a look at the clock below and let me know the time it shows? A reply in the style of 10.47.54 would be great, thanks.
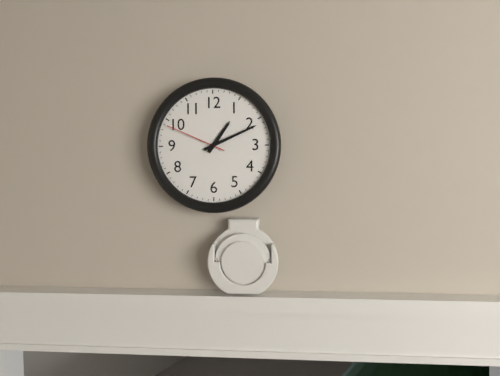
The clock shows 1.11.49
